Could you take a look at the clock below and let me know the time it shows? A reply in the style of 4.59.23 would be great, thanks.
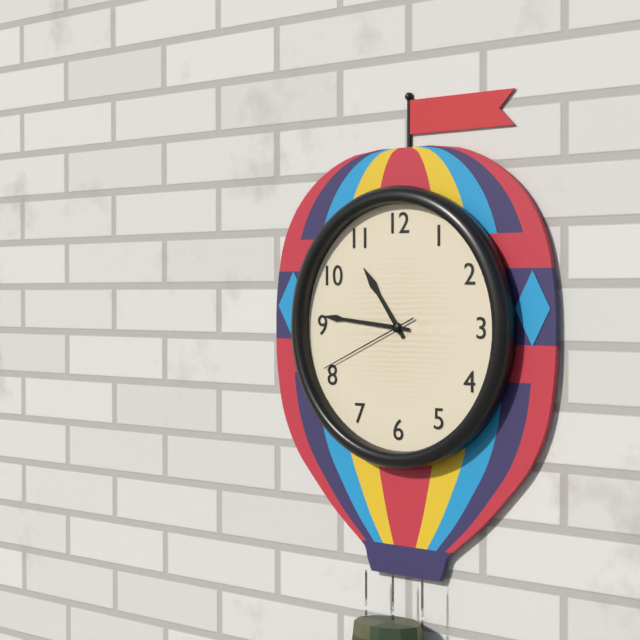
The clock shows 10.46.41
